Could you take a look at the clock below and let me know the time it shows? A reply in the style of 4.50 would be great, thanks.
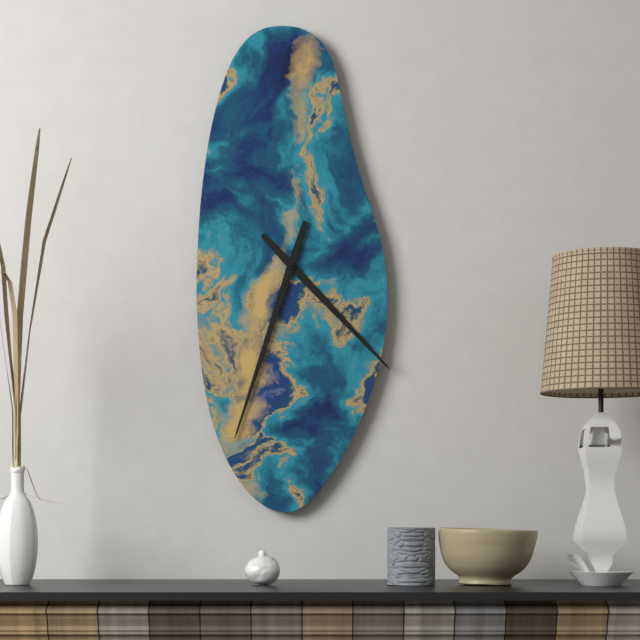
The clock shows 4.33
